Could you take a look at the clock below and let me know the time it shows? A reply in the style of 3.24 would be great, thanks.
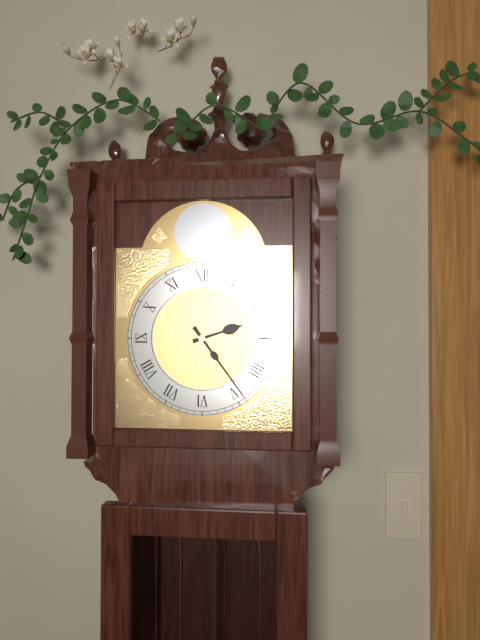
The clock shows 2.24
